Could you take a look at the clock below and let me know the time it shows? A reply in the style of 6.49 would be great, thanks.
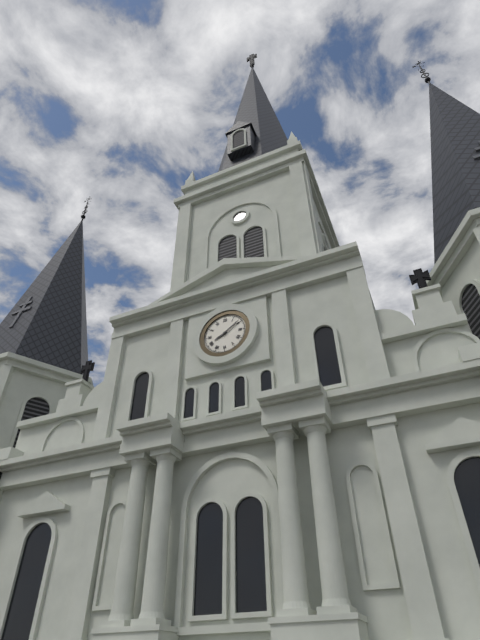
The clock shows 8.09
